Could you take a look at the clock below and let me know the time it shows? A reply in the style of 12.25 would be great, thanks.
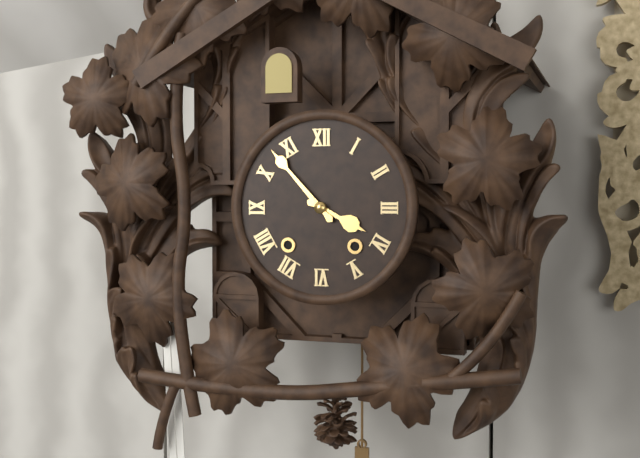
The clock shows 3.53
